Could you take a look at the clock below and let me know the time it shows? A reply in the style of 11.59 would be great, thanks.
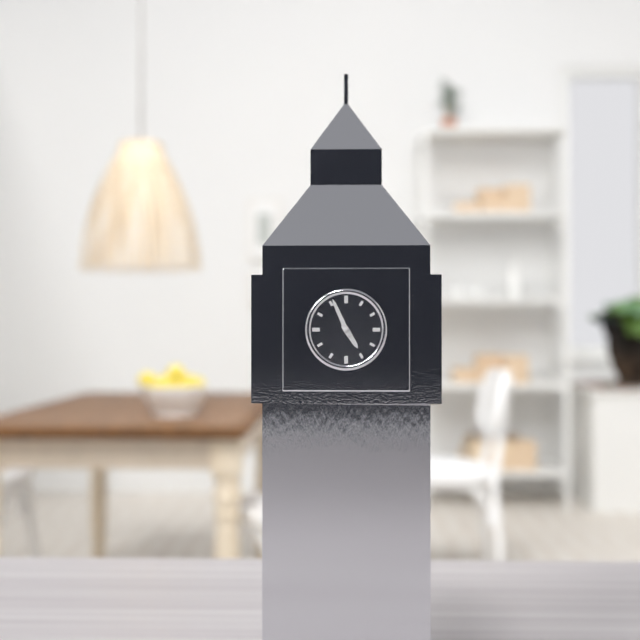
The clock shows 4.56
